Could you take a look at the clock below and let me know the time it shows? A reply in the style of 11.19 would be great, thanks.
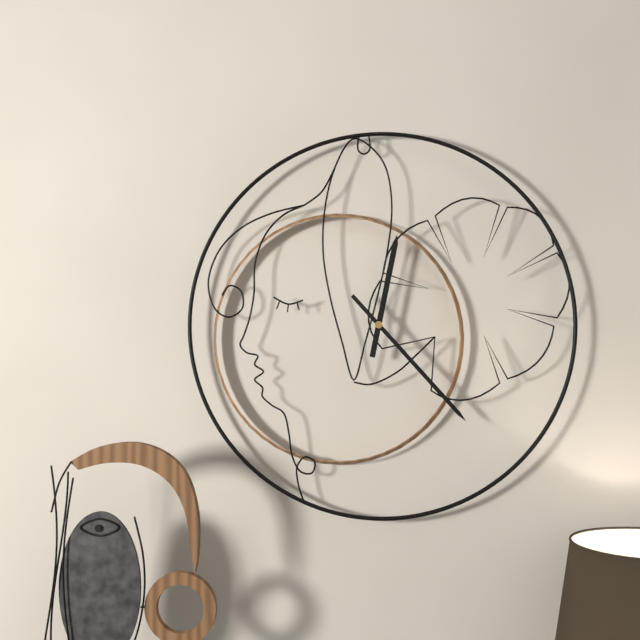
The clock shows 12.23
